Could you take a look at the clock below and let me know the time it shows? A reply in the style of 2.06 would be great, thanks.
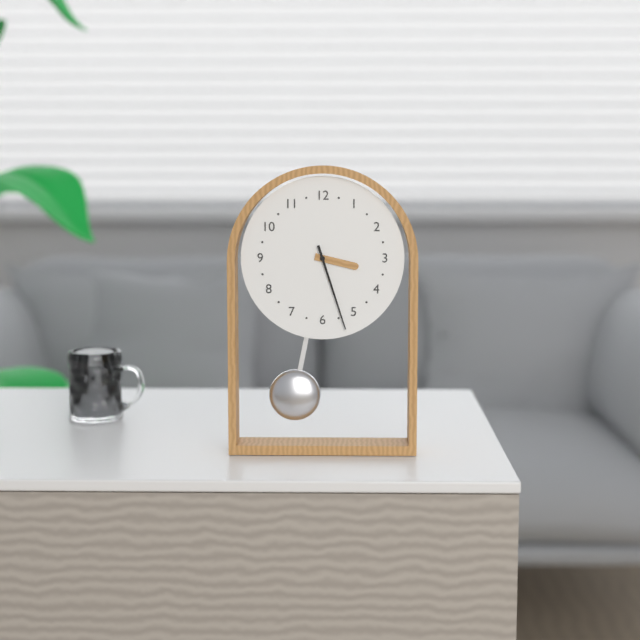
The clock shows 3.27
